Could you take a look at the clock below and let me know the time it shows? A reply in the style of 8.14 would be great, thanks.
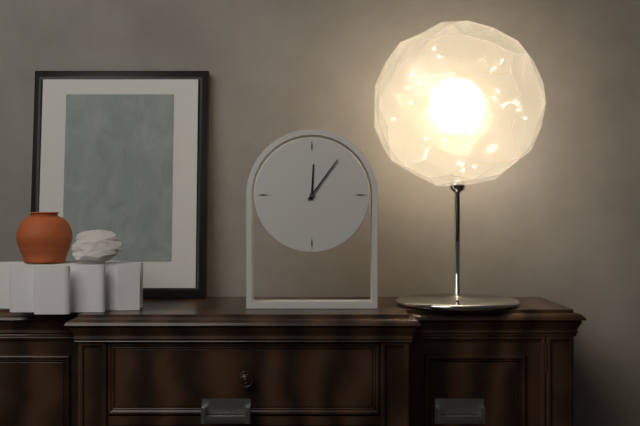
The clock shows 12.06
